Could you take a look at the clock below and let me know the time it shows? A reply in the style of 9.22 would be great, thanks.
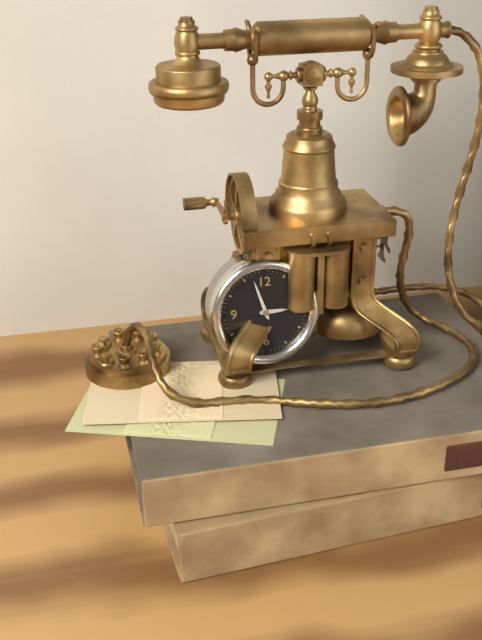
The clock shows 2.57
